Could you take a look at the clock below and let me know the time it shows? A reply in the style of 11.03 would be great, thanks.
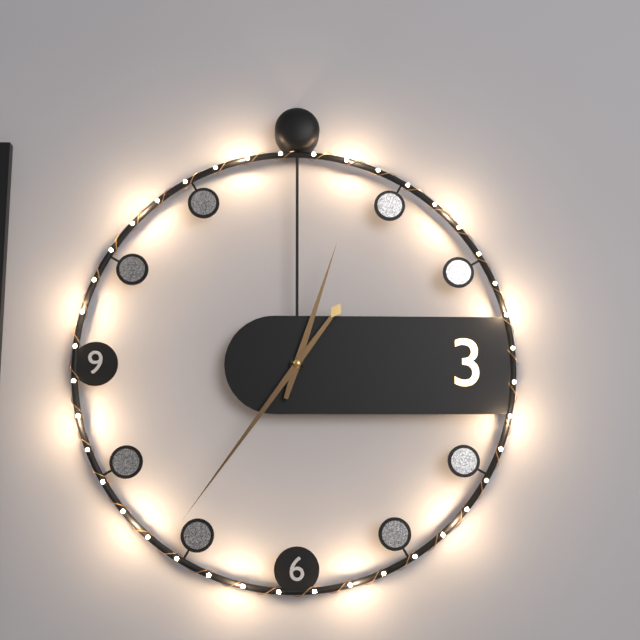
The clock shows 12.36
